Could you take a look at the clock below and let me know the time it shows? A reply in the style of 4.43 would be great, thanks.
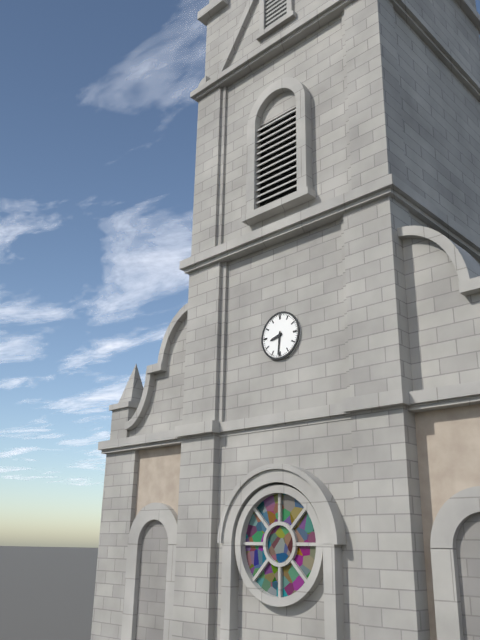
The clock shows 8.31
